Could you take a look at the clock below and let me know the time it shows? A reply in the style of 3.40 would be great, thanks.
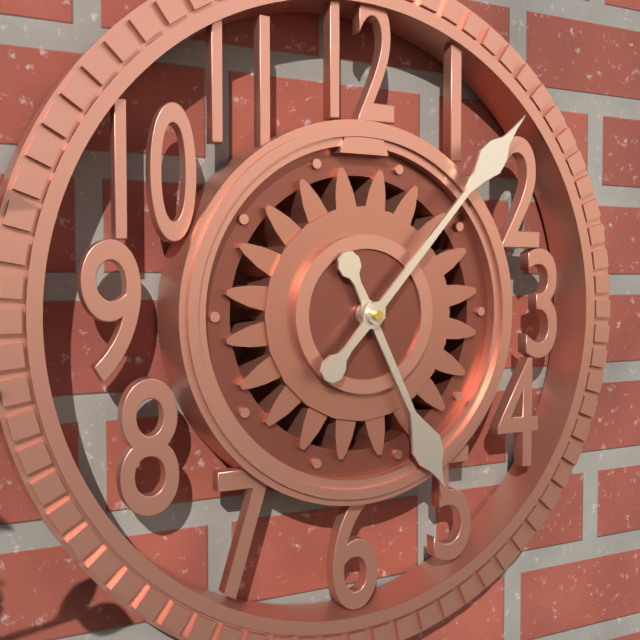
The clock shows 5.07
